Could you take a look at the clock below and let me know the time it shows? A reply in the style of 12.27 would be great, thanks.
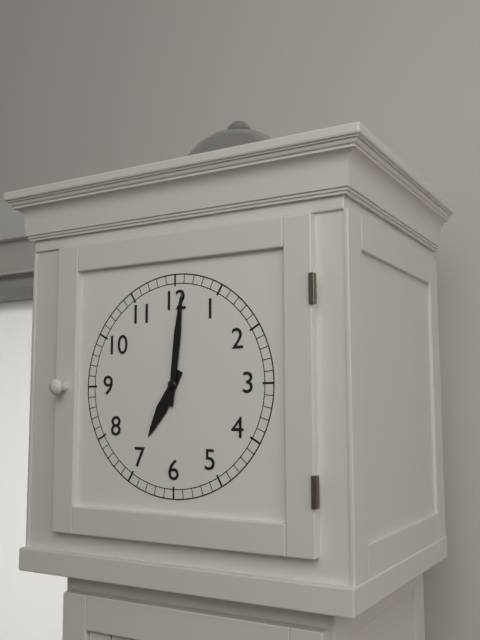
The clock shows 7.01
